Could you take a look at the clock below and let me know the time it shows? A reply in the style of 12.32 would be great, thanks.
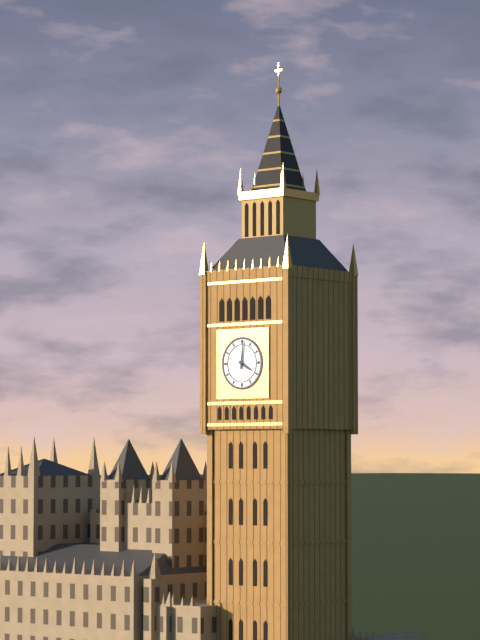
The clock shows 4.01
